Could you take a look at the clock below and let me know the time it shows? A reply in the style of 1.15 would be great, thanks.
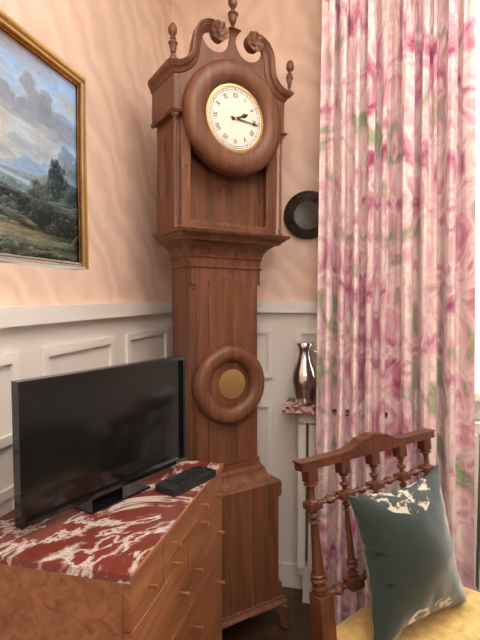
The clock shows 2.16
